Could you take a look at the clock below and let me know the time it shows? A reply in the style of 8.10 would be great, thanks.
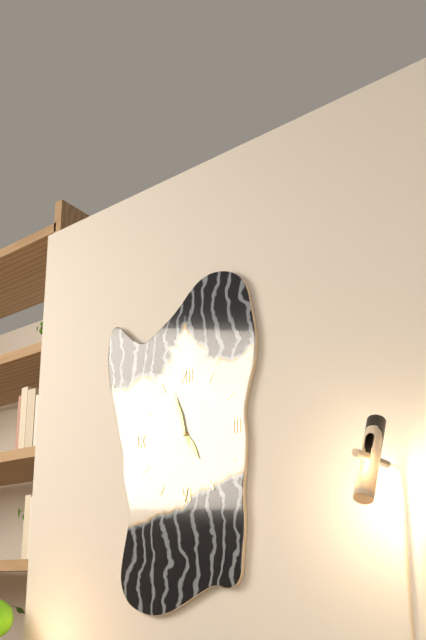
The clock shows 4.57
